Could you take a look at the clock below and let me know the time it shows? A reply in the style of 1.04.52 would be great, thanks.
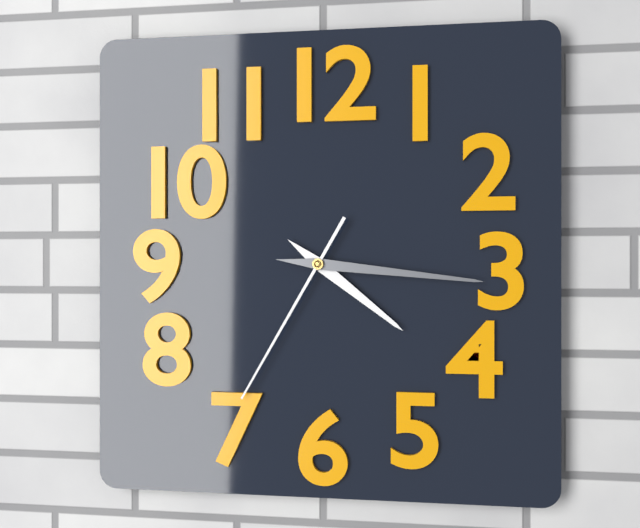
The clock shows 4.16.35
